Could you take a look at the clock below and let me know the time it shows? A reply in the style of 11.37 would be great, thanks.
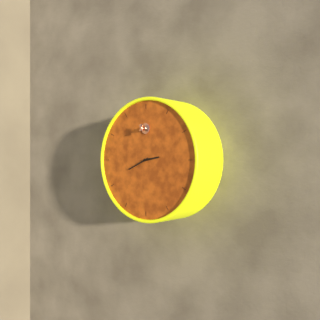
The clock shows 2.41
